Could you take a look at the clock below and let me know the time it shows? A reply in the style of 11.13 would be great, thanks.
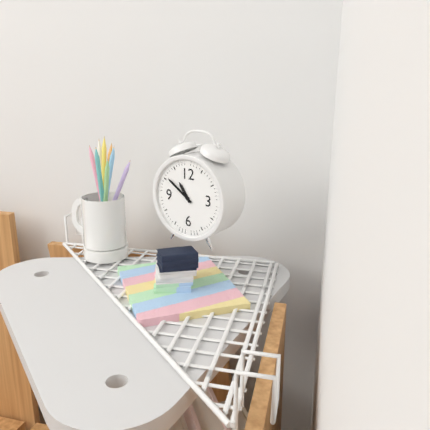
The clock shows 10.51
